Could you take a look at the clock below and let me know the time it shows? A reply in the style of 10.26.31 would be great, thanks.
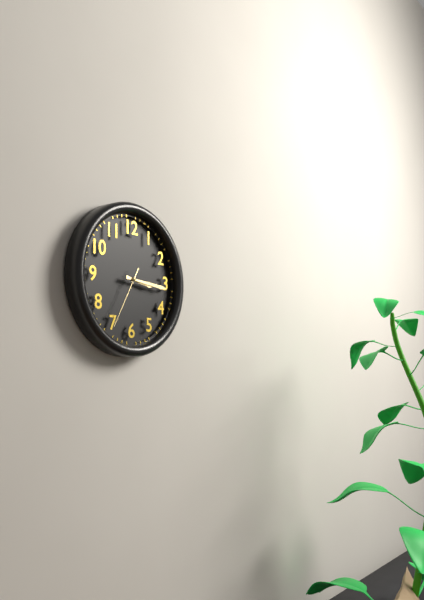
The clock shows 3.16.35
